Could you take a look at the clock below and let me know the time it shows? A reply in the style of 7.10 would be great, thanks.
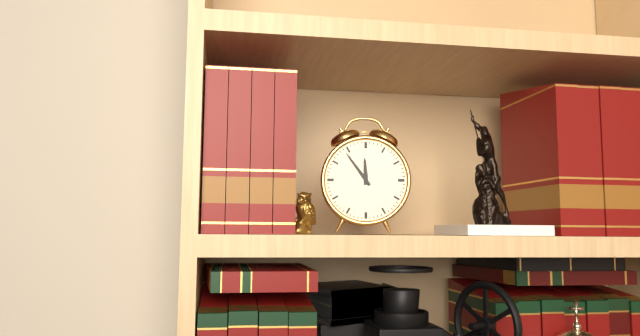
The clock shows 11.54
